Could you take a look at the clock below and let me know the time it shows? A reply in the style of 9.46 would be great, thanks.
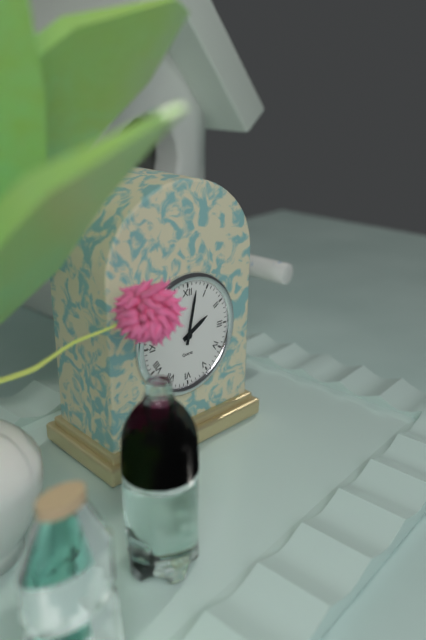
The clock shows 2.02
